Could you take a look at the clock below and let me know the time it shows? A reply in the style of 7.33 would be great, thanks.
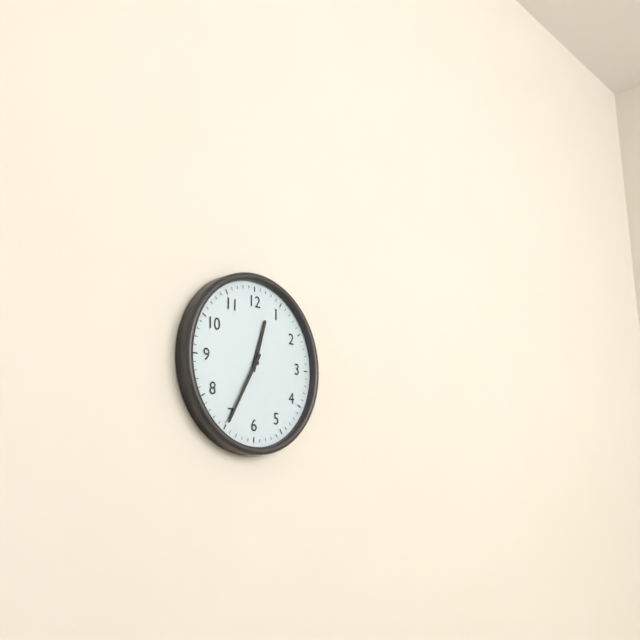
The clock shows 12.35
